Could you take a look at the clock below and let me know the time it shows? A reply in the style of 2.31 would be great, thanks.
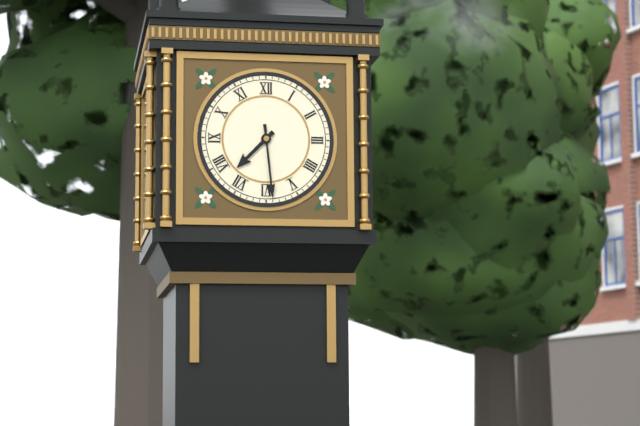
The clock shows 7.29
